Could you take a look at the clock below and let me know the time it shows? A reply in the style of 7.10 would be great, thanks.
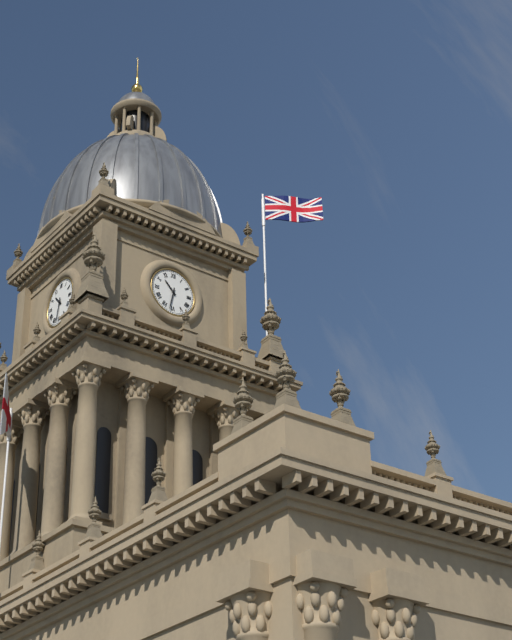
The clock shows 10.32
